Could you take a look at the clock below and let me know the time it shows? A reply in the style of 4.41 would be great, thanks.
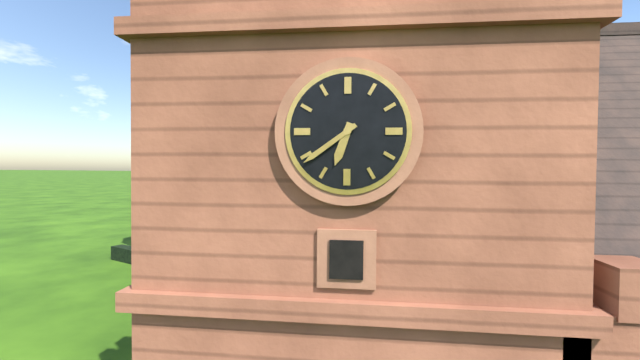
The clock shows 6.39
